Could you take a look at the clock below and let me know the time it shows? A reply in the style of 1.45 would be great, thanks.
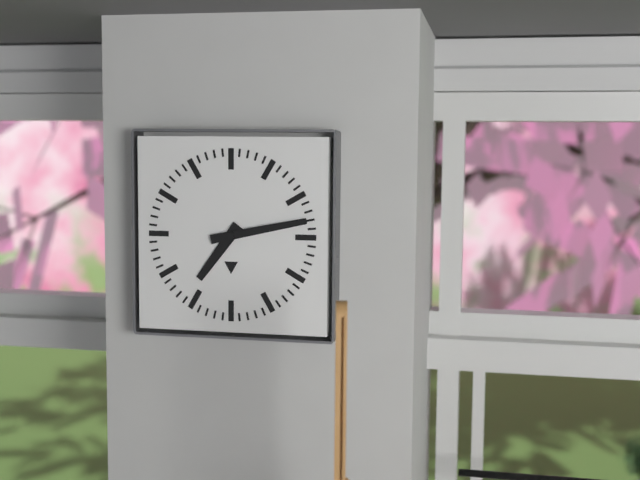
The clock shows 7.13
